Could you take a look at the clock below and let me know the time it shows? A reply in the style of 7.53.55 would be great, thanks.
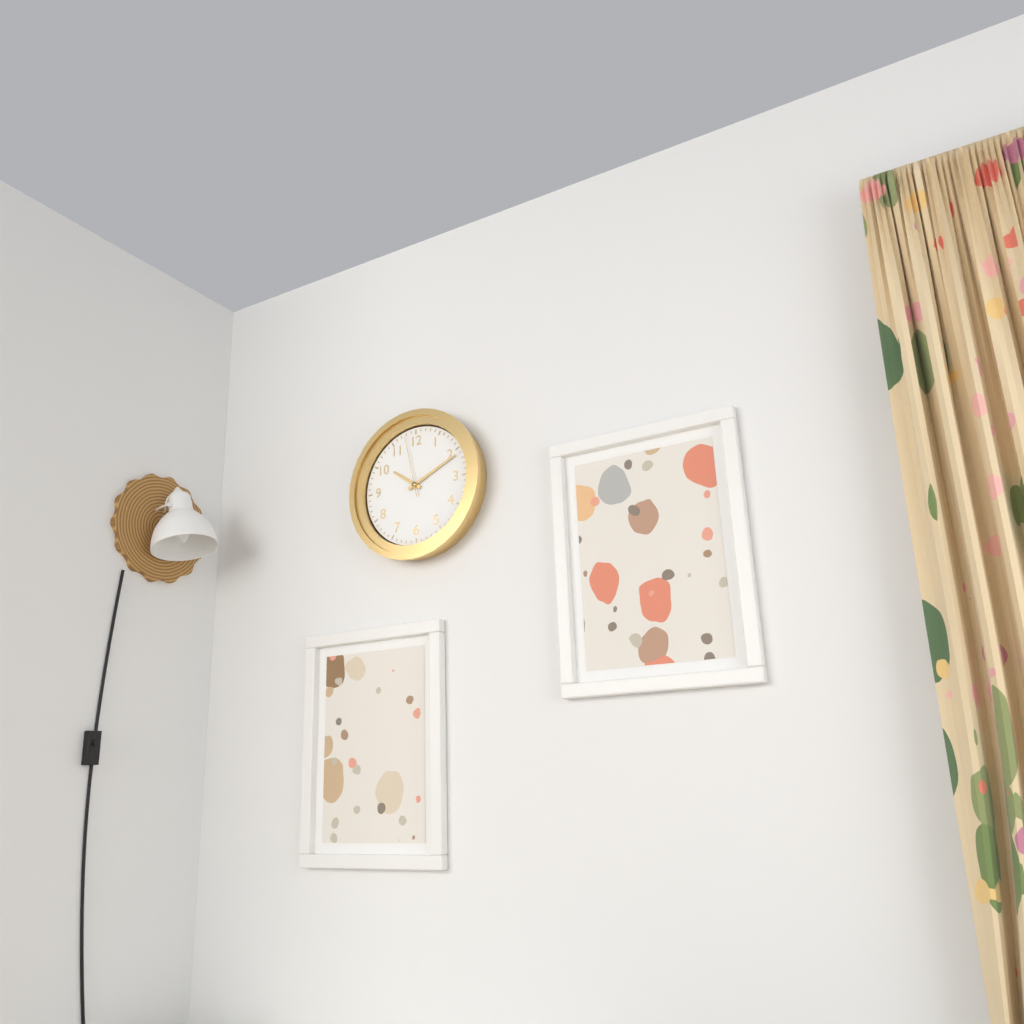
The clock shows 10.11.58
